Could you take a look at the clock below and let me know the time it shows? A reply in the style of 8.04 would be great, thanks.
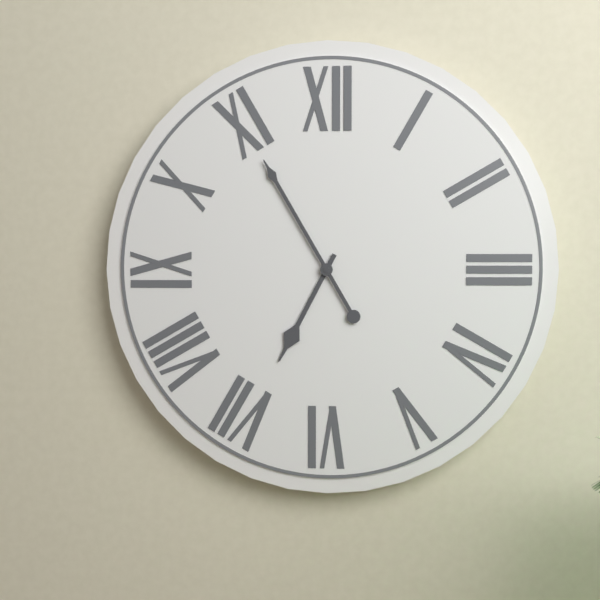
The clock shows 6.55
